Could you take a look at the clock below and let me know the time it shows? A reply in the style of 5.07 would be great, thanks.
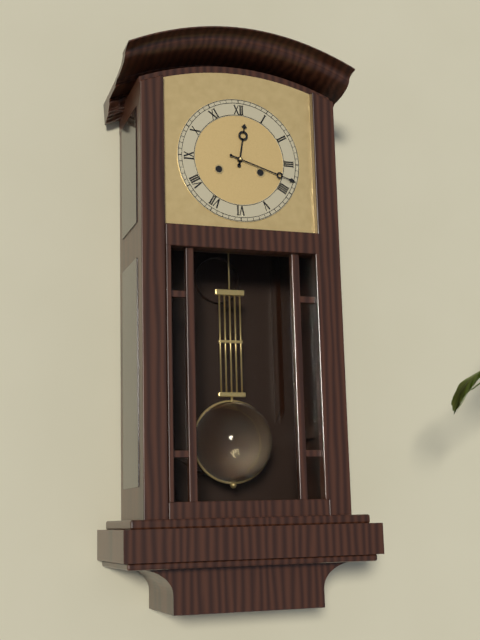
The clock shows 12.18
